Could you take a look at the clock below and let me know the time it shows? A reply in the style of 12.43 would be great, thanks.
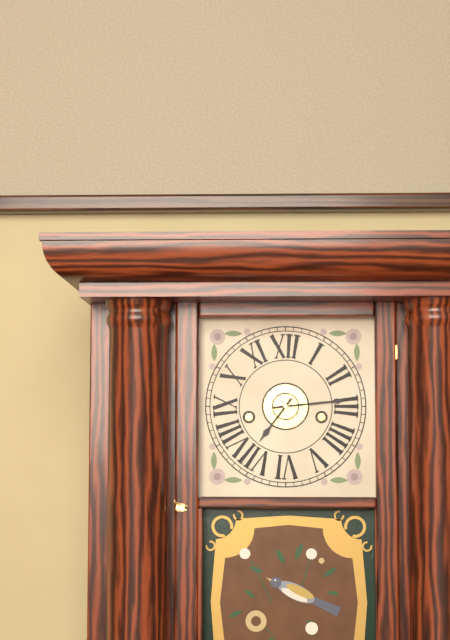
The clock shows 7.14
